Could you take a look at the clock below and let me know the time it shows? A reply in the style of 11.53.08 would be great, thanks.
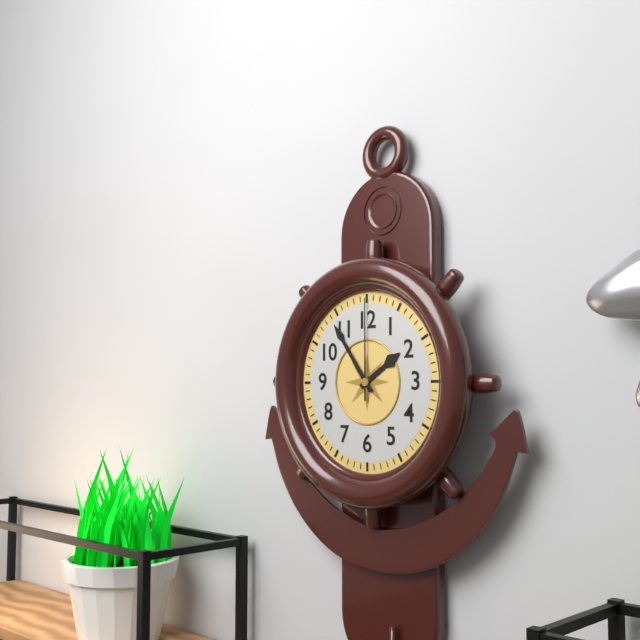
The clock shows 1.54.00
